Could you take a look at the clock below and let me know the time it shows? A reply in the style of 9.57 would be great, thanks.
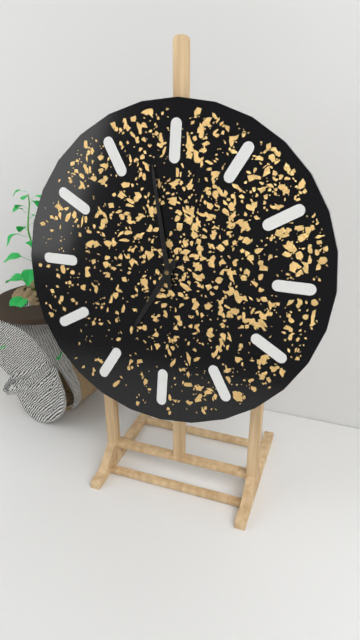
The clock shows 6.58
